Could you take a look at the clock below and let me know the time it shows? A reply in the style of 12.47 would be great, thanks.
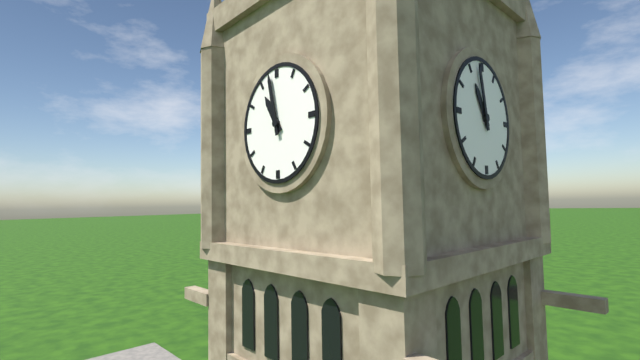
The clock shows 10.58
